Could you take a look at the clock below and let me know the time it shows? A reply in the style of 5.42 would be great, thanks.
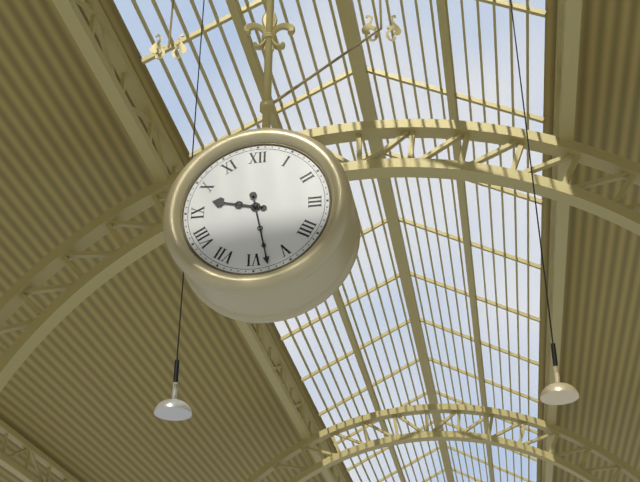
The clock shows 9.28
